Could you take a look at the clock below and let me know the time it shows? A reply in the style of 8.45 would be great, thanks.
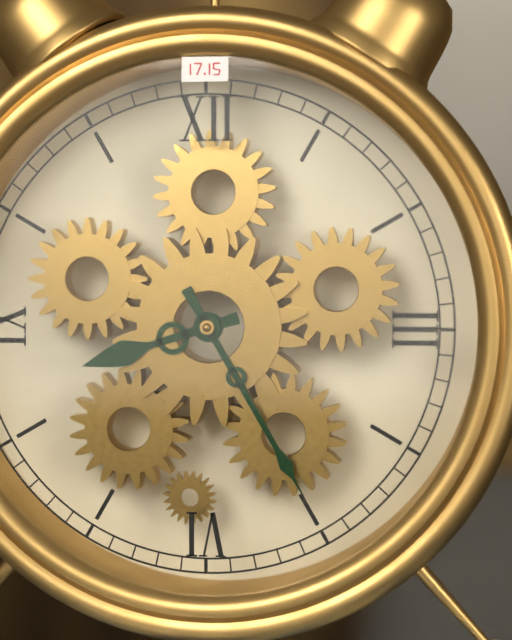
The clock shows 8.25
